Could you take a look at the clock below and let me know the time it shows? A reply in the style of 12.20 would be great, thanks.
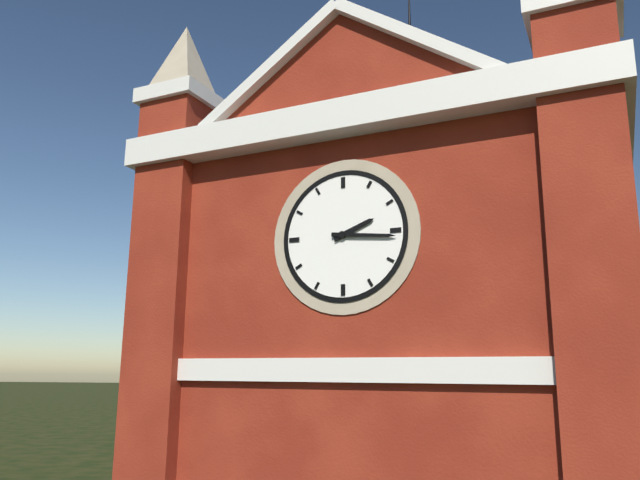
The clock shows 2.16
